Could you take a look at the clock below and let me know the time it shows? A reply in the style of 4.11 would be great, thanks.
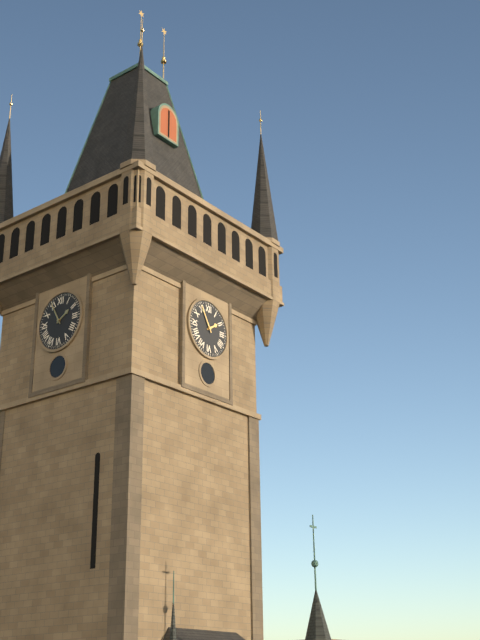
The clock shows 1.55
